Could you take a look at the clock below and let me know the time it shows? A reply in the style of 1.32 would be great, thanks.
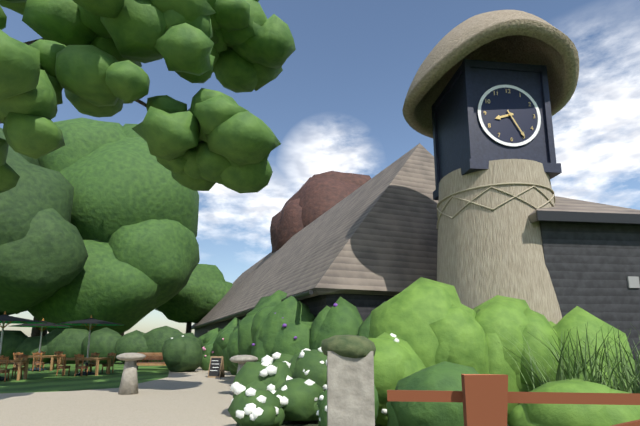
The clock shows 8.25
